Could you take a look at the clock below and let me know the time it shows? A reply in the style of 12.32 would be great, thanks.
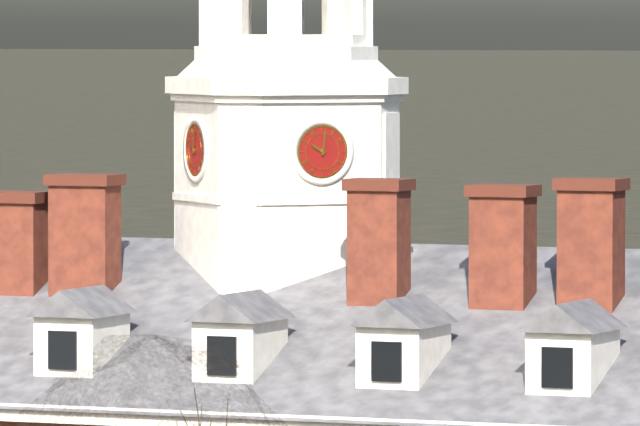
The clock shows 10.01
